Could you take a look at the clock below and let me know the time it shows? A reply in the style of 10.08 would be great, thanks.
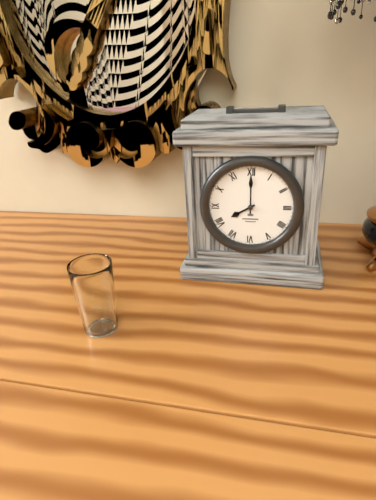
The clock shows 8.00
